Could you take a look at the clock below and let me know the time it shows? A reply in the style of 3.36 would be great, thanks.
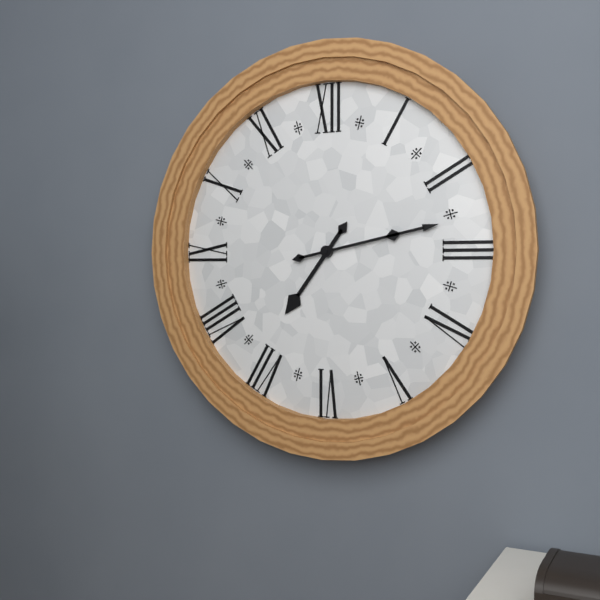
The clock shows 7.13
